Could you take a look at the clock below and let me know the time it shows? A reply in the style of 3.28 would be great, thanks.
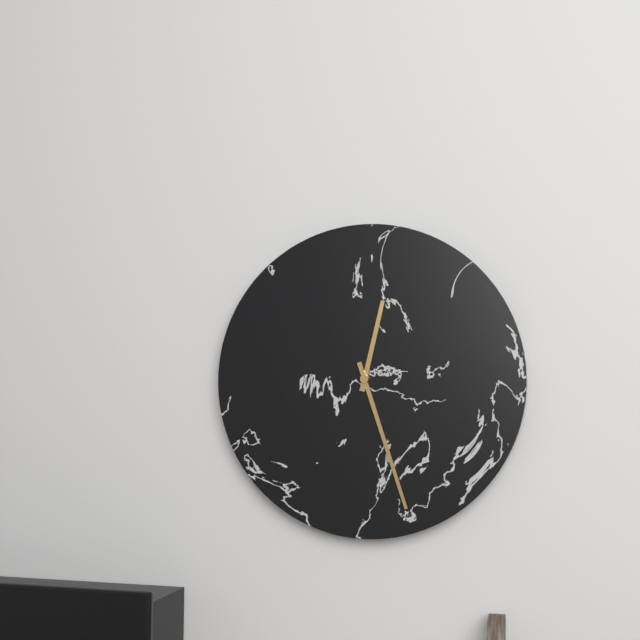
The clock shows 12.27
